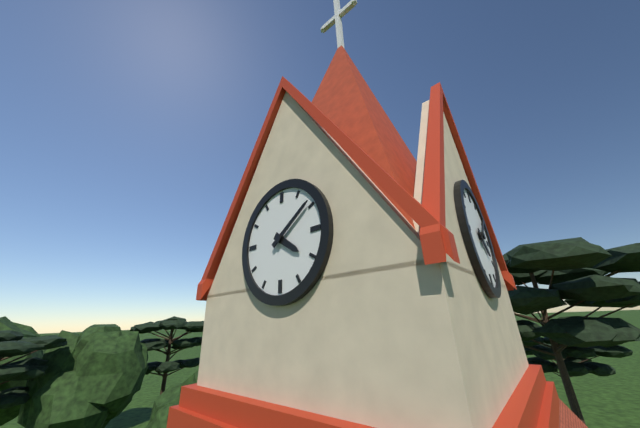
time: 4:09
